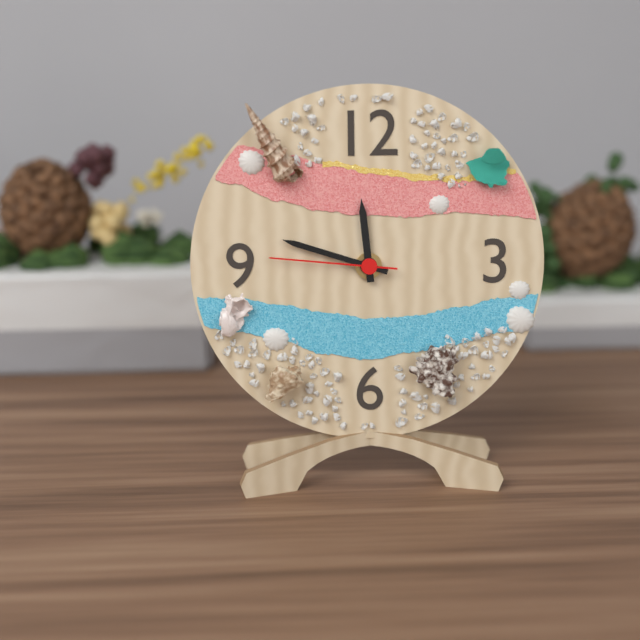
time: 11:48:46
